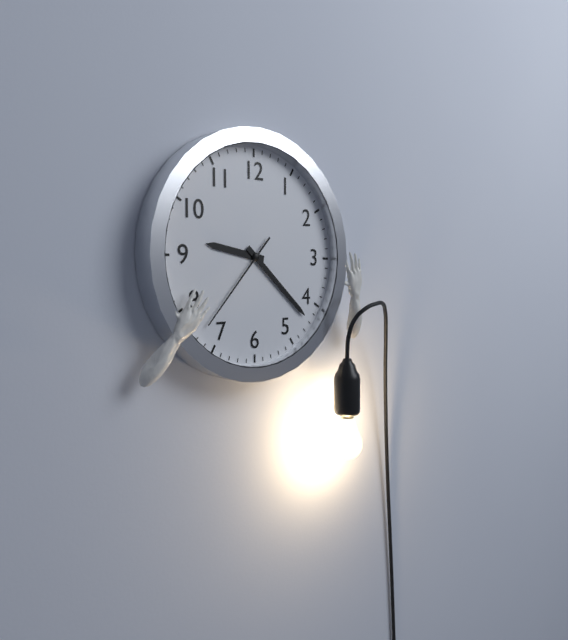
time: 9:22:37
